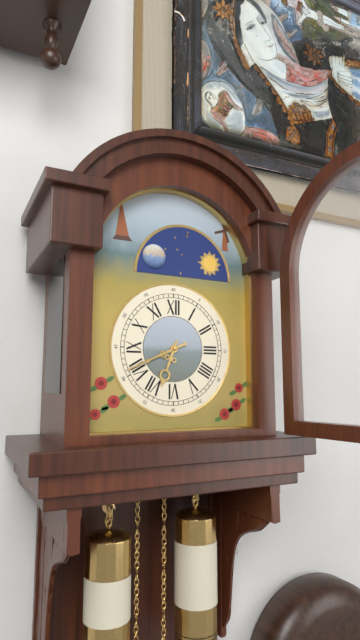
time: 6:41
